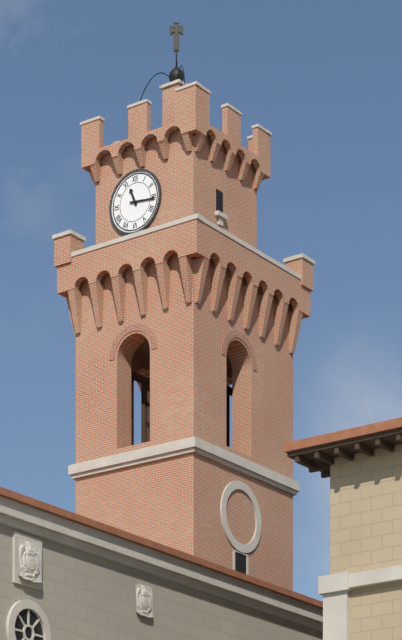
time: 11:16
